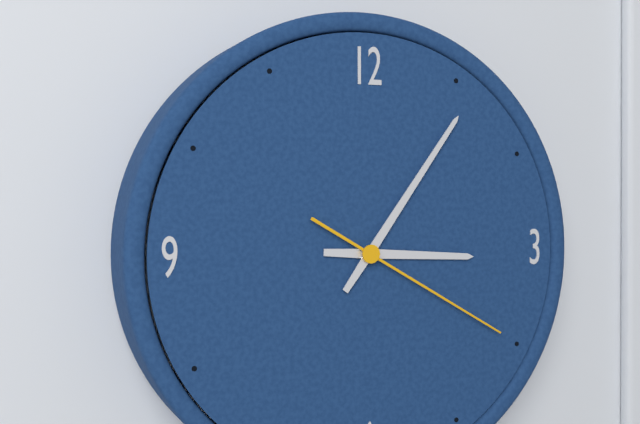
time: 3:06:20
